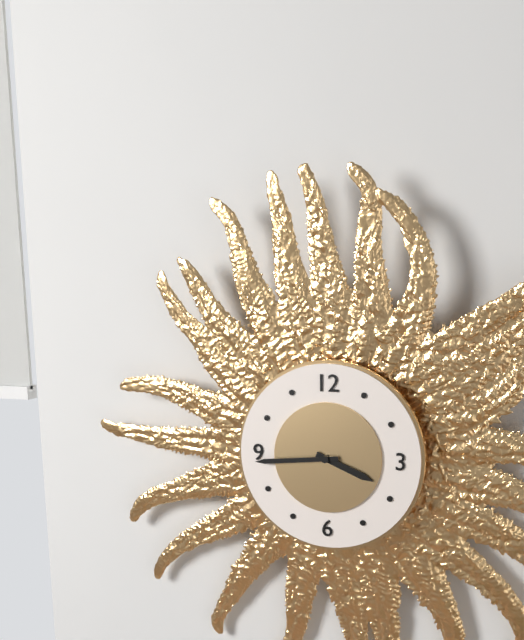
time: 3:44
